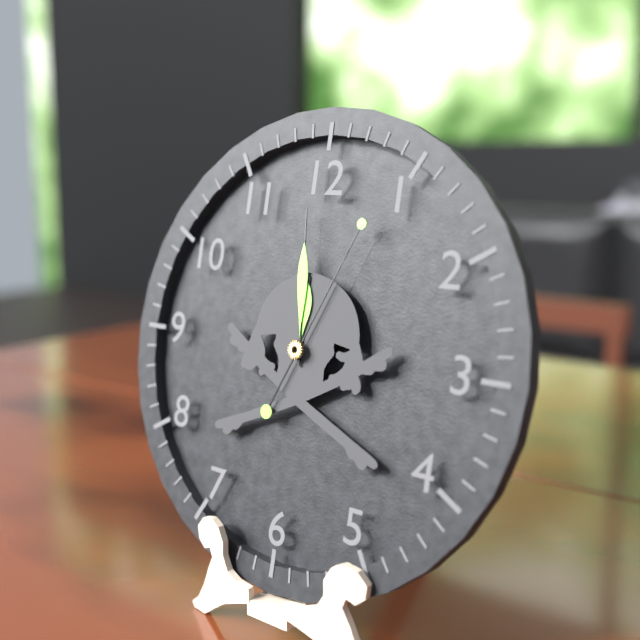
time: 11:59:04
